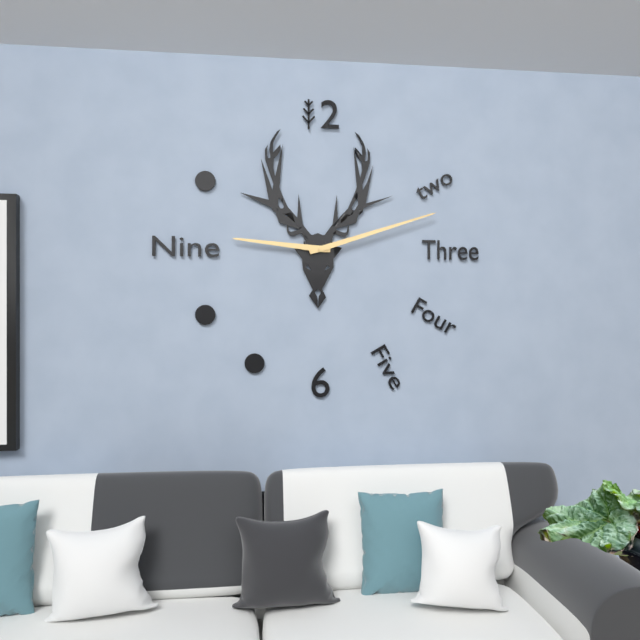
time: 9:12
